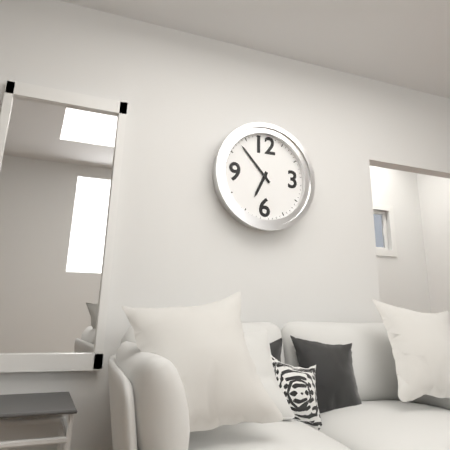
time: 6:53
